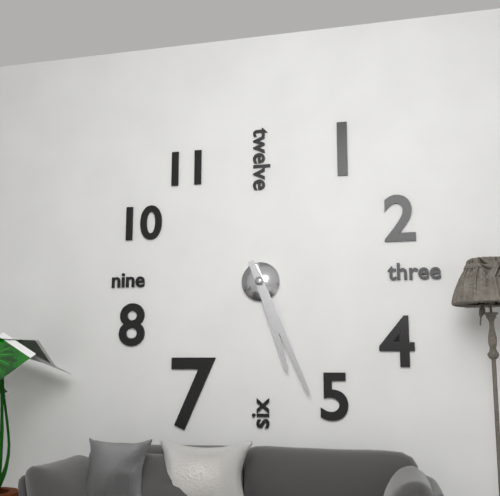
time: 5:26
